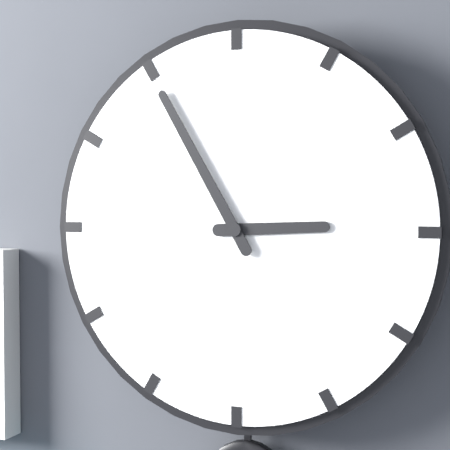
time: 2:55
